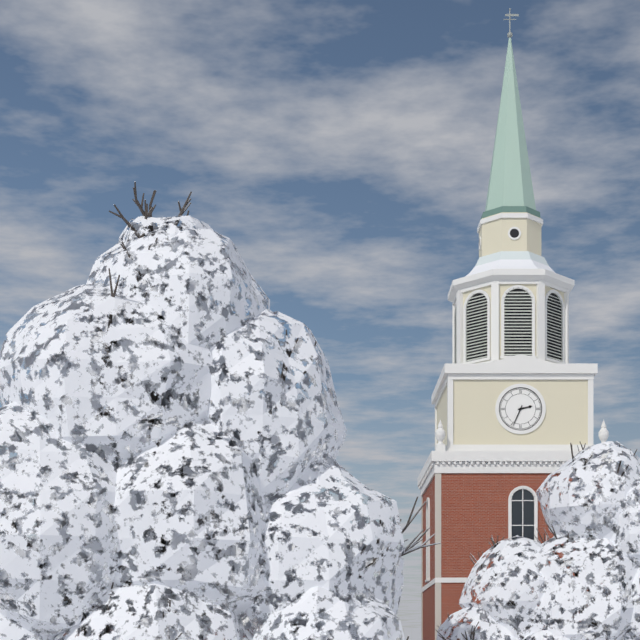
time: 2:34
